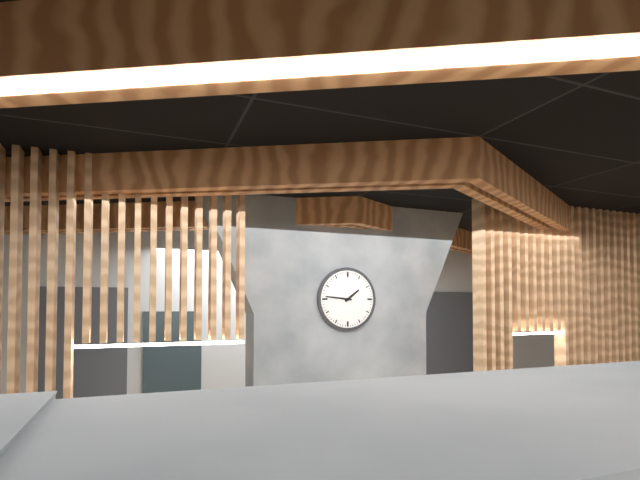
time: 1:46
